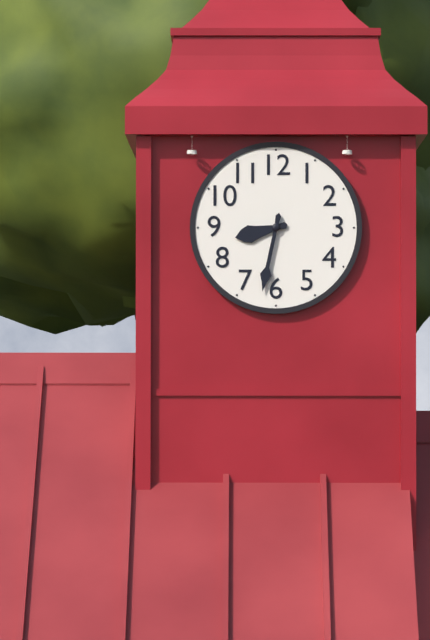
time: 8:32
